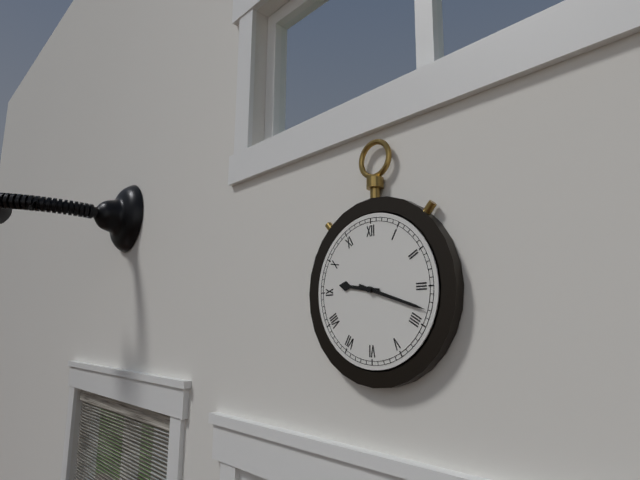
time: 9:18
